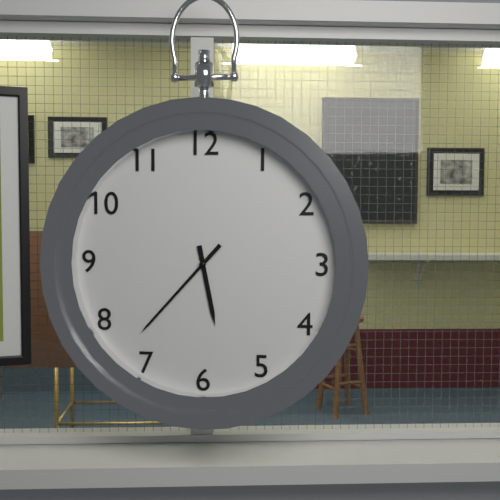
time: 5:37
